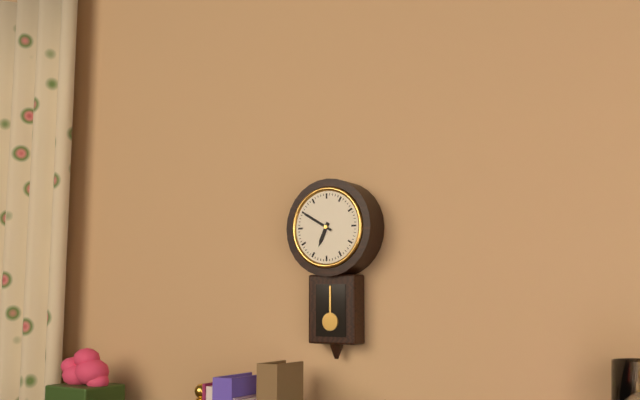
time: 6:50
